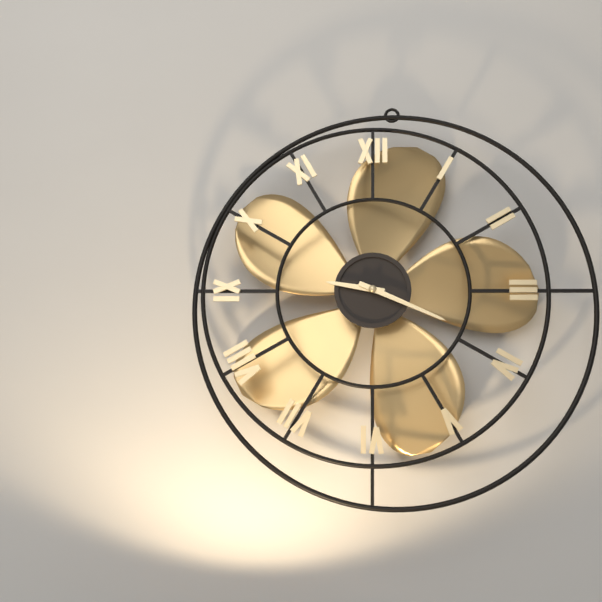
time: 9:19
